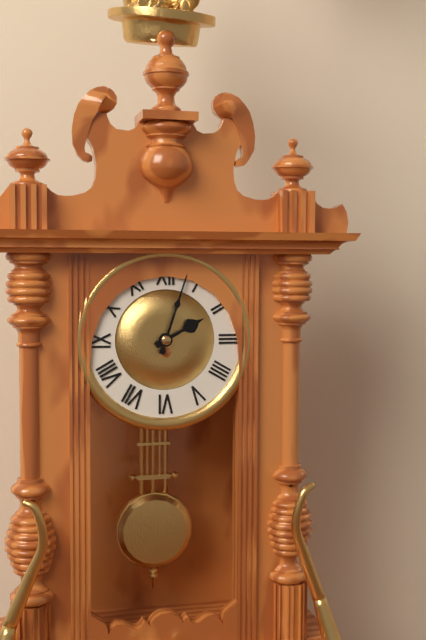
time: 2:03
